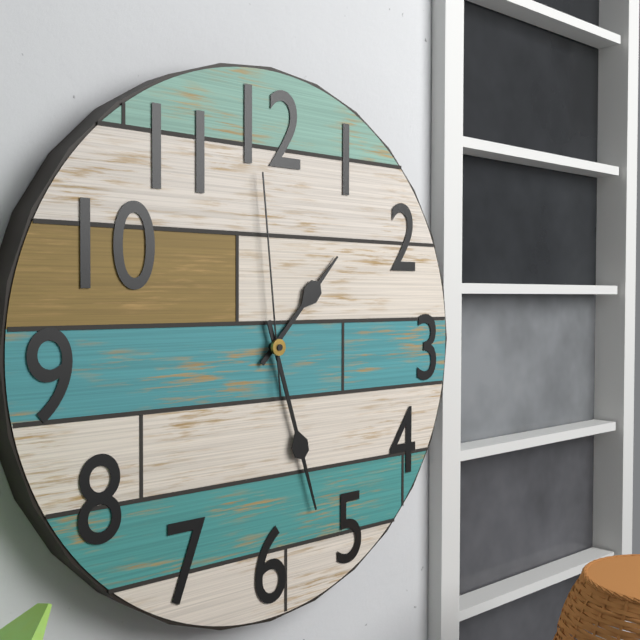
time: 1:27:59
